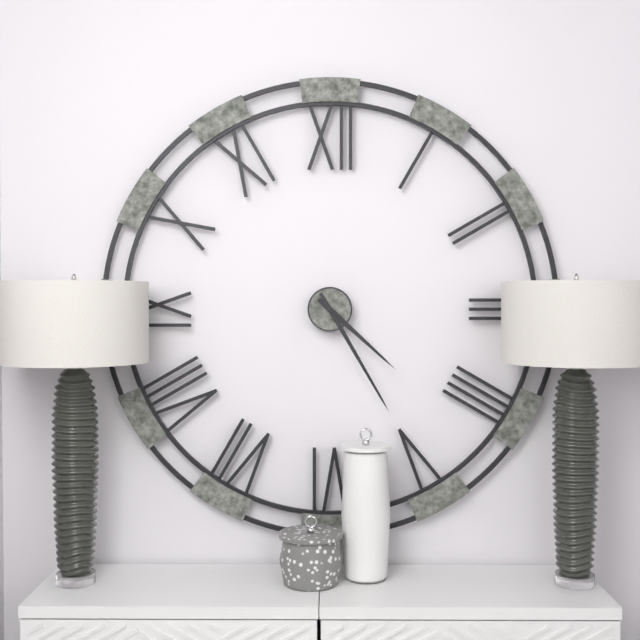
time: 4:25
